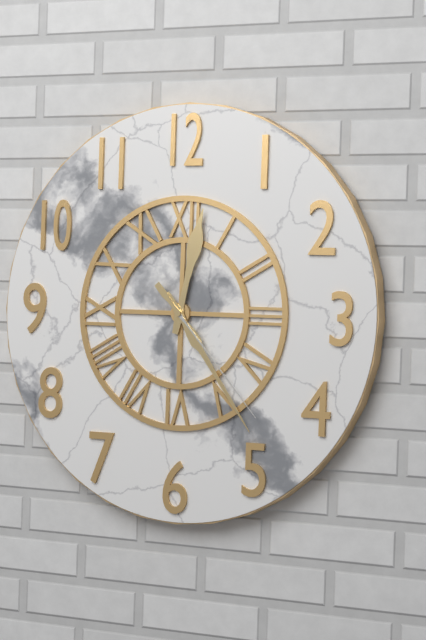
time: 12:24:23
